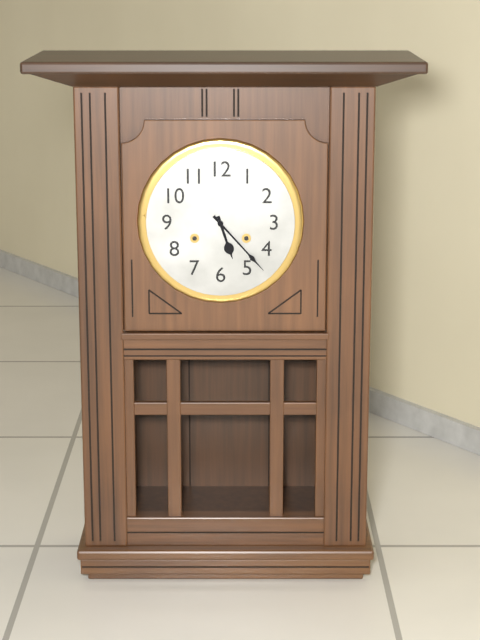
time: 5:23
